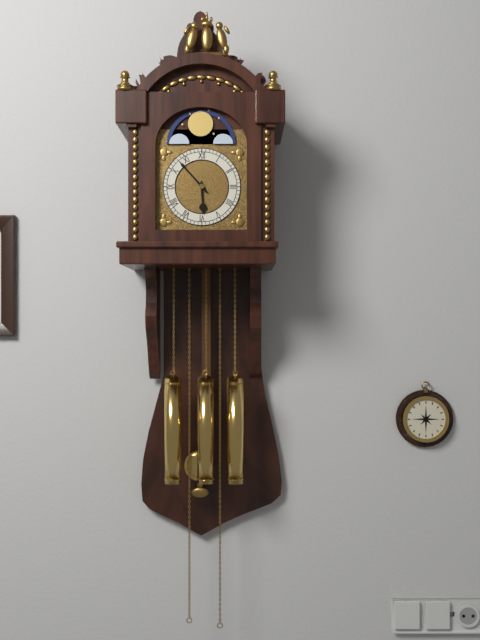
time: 5:53
